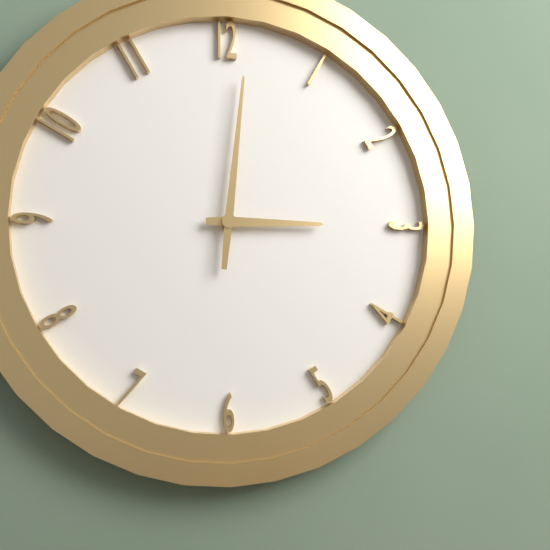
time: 3:01
